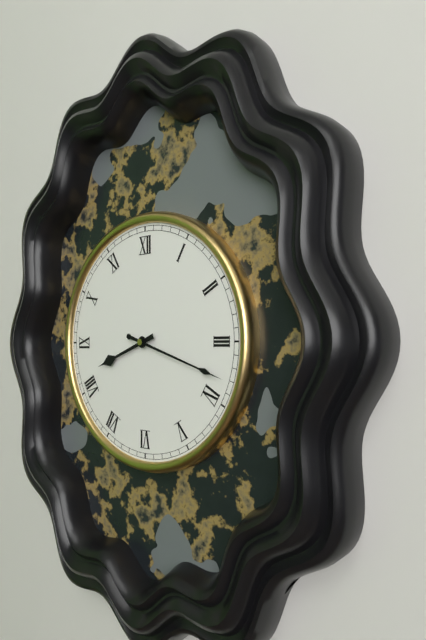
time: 8:18
